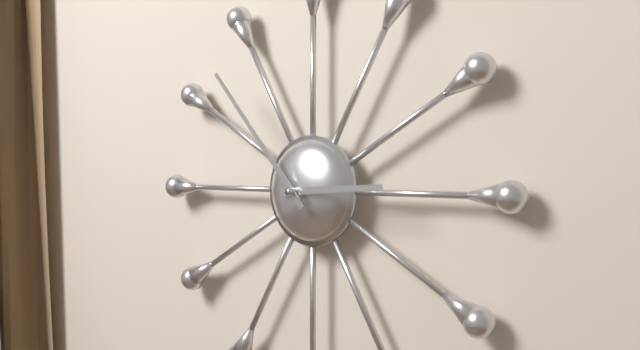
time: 2:53
